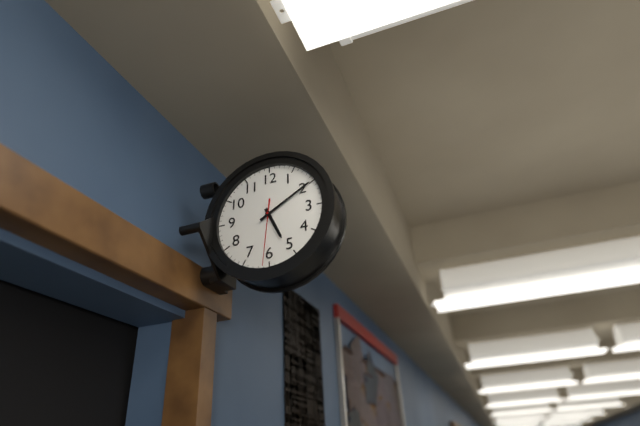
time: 5:10:31
